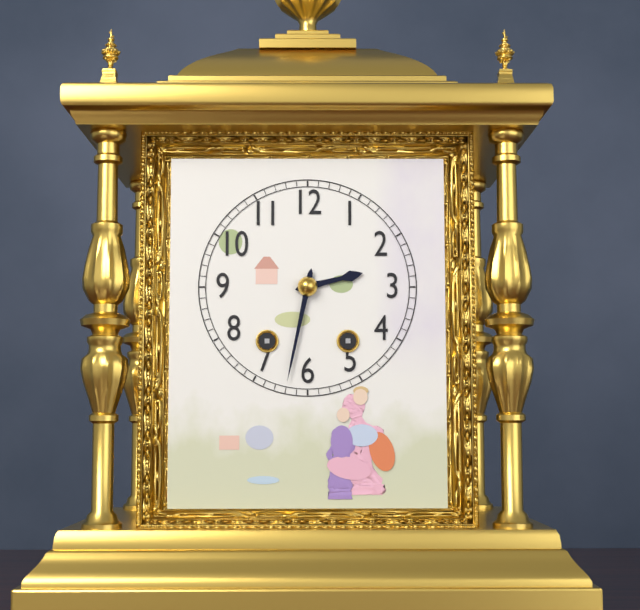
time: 2:32
